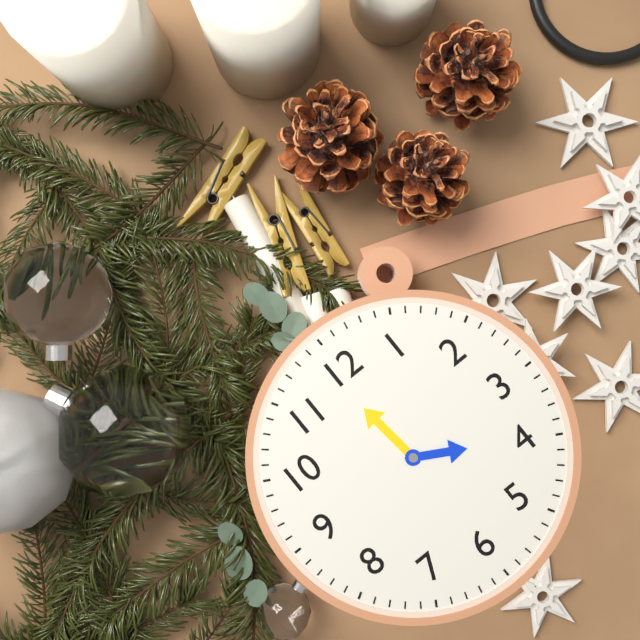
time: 3:59
